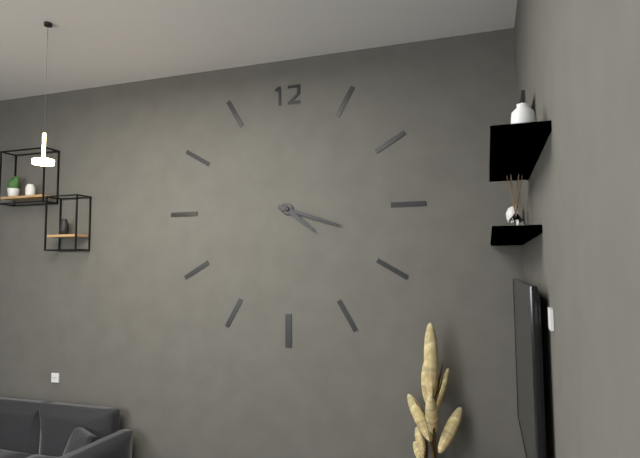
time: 4:18
